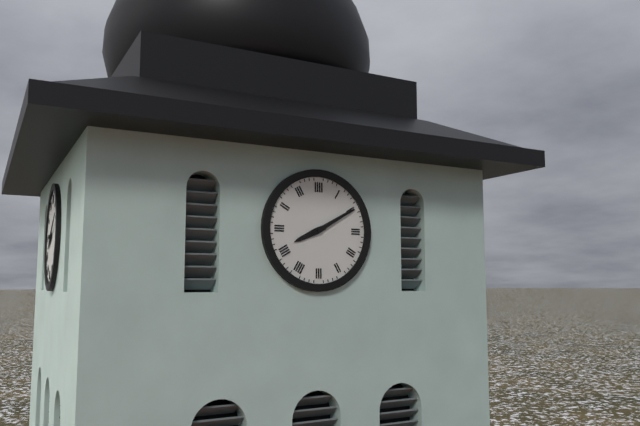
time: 8:10
